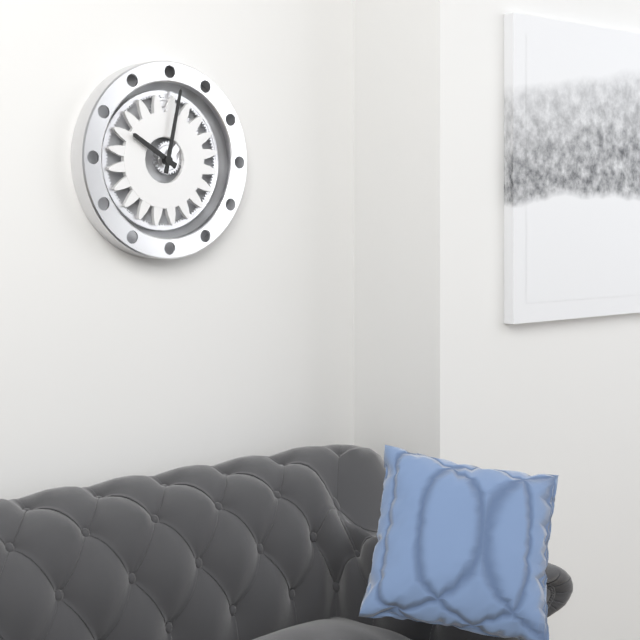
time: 10:02
